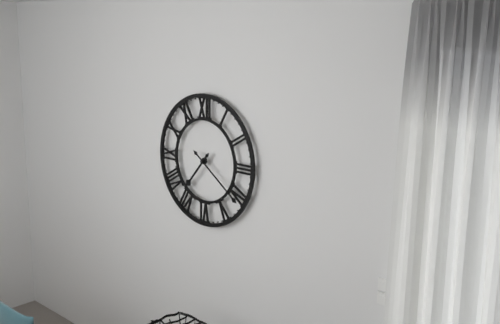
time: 7:21
